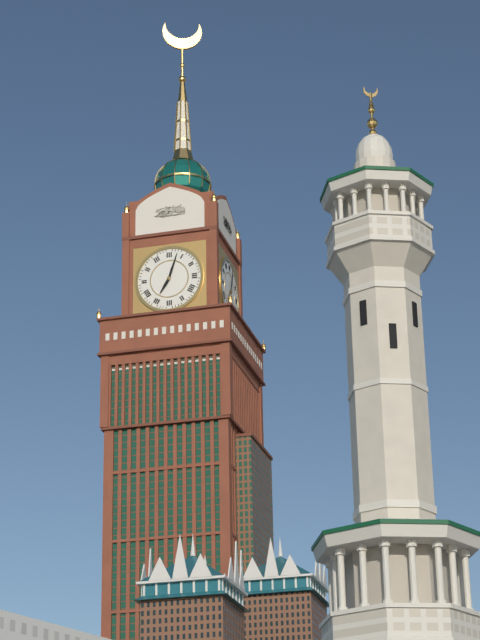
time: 7:03
